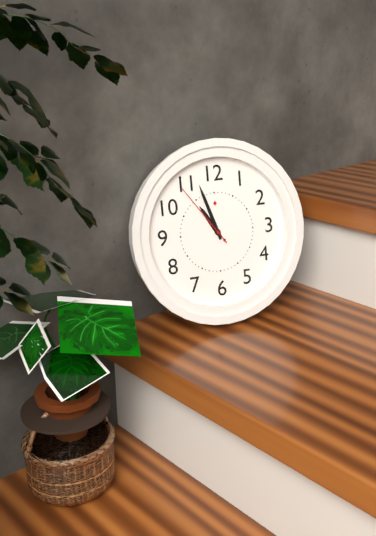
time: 10:57:54
